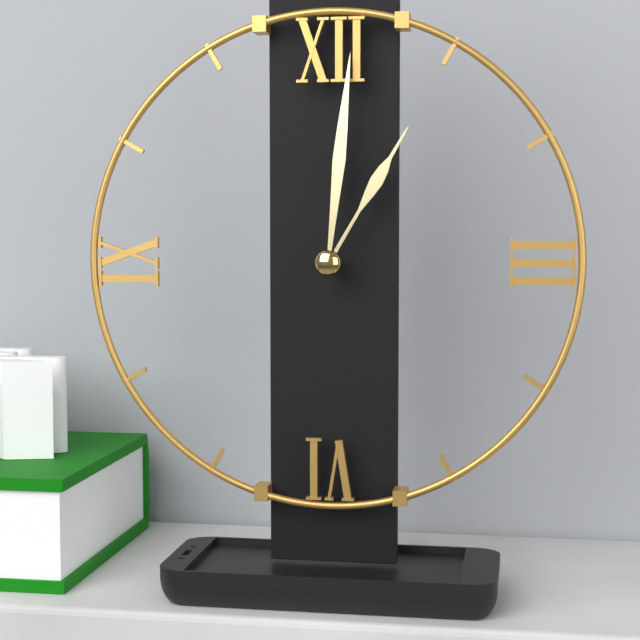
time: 1:01
